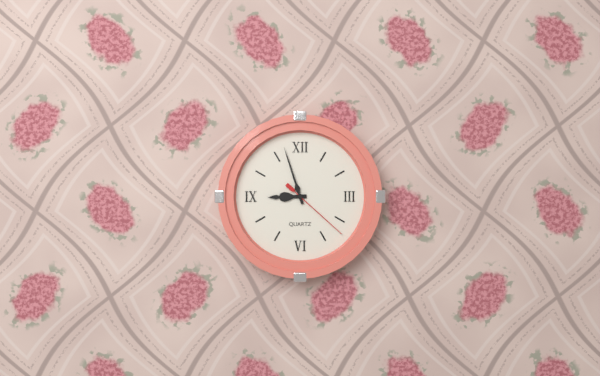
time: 8:57:22
